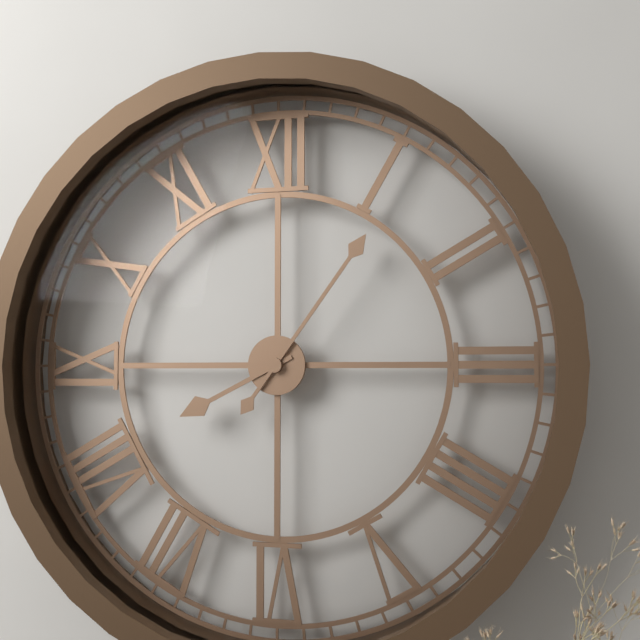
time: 8:06
